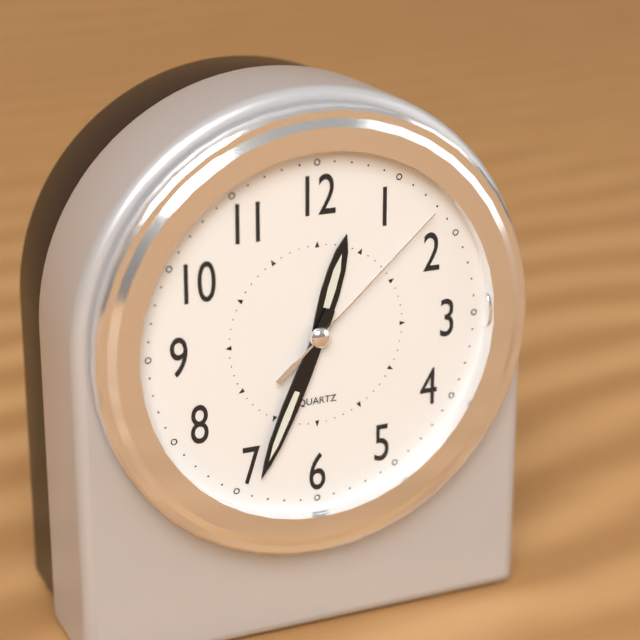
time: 12:34:08
